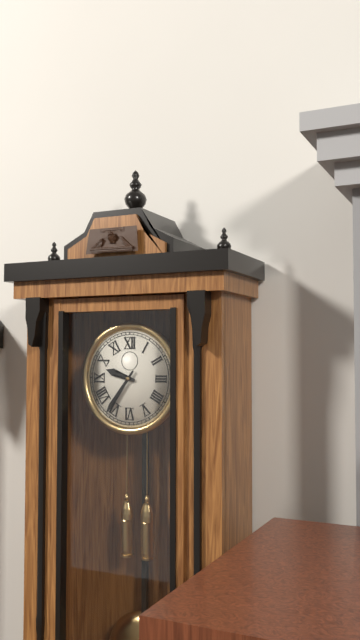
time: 9:36
